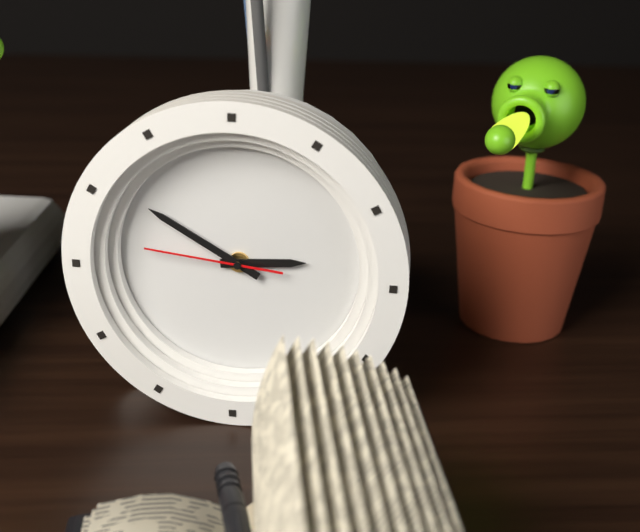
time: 2:50:46
